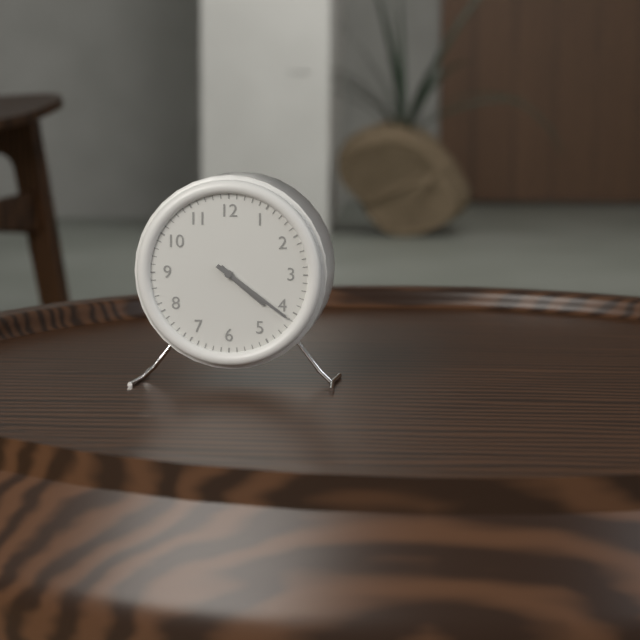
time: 4:21
